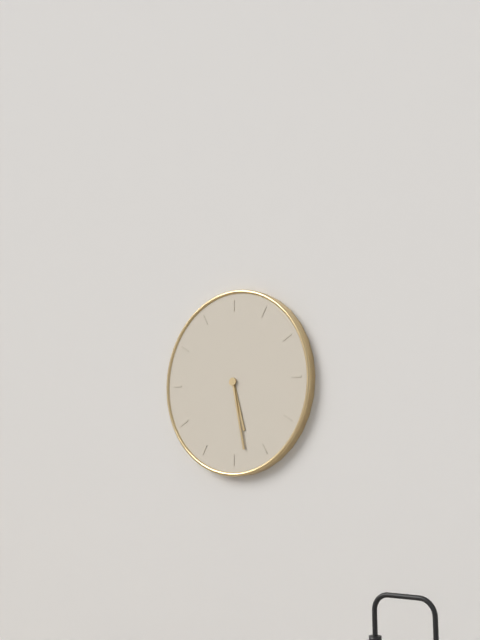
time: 5:28
